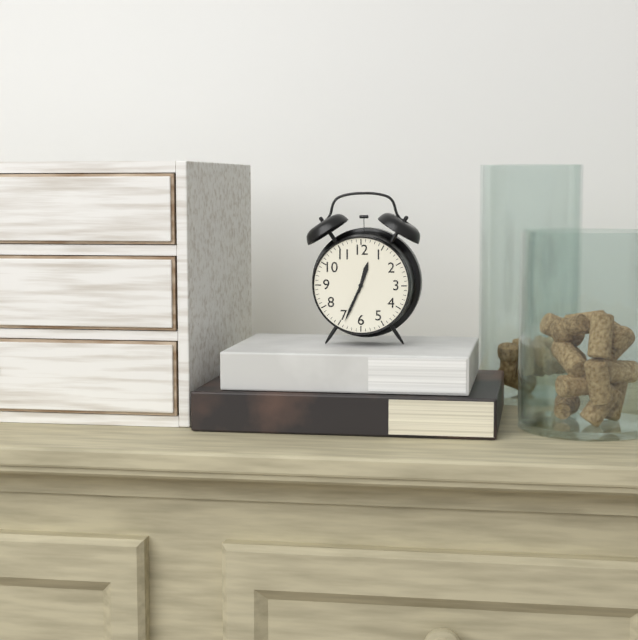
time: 12:34
